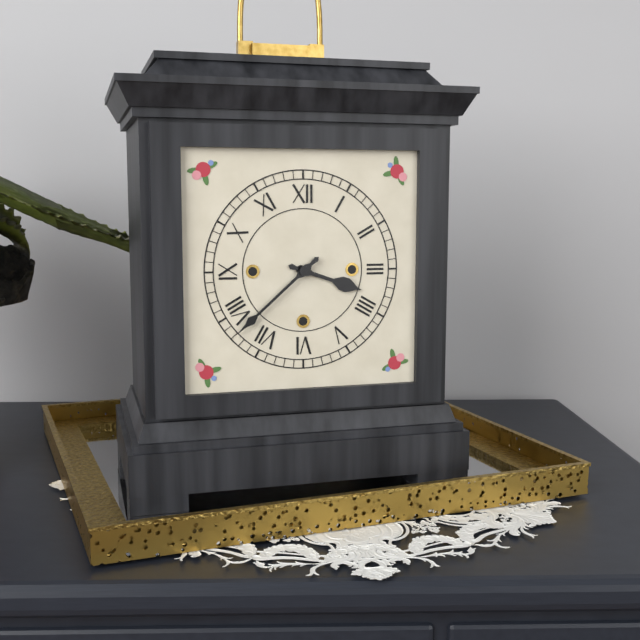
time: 3:38
